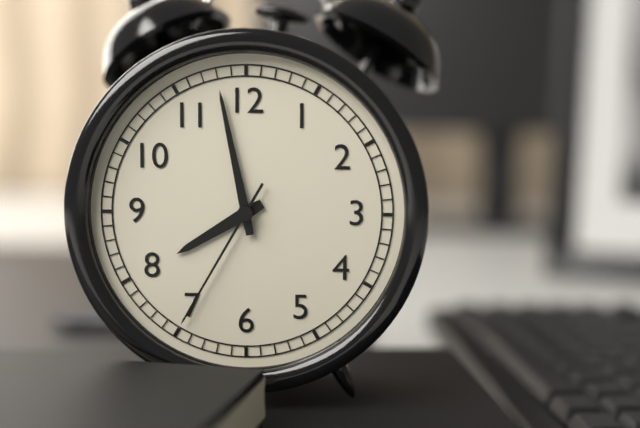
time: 7:58:35
